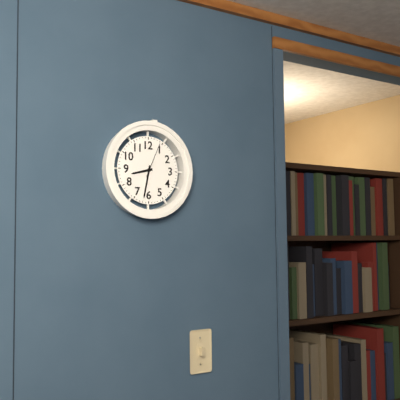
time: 8:32
